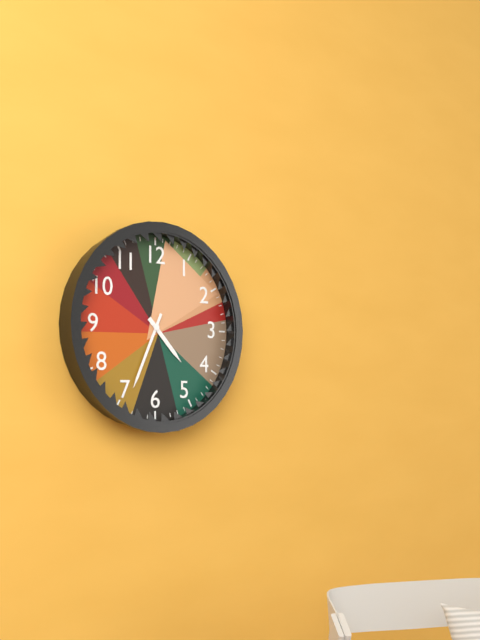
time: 4:34
